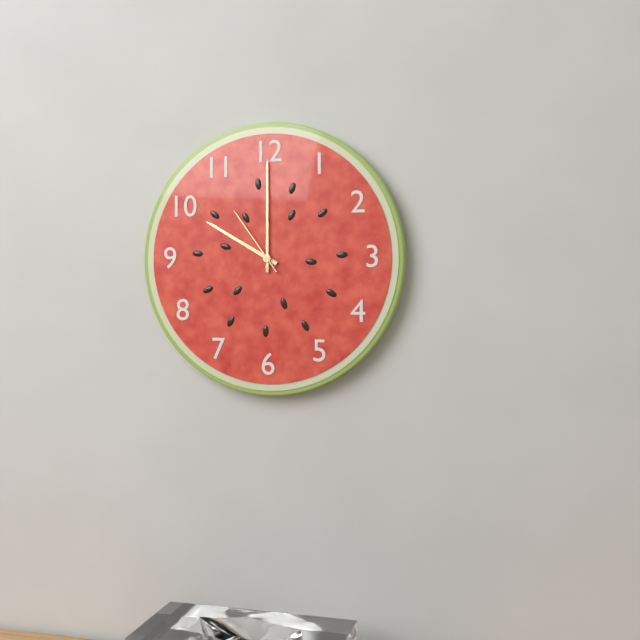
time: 10:00:54
